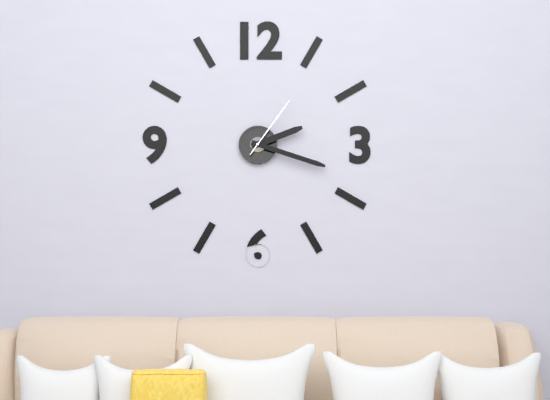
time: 2:18:06
